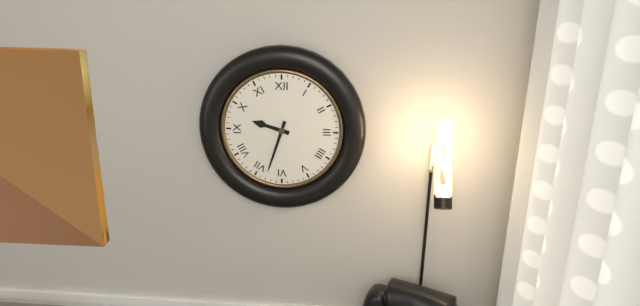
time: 9:33
